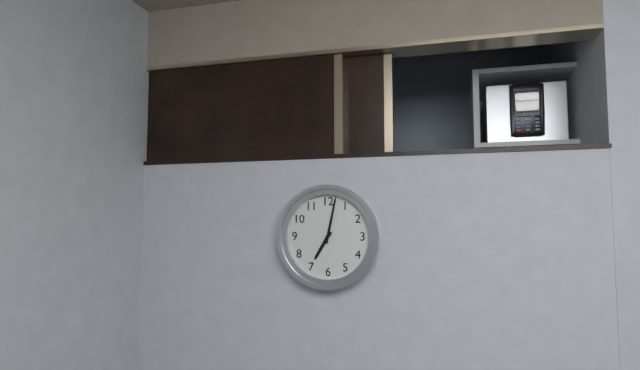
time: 7:02
